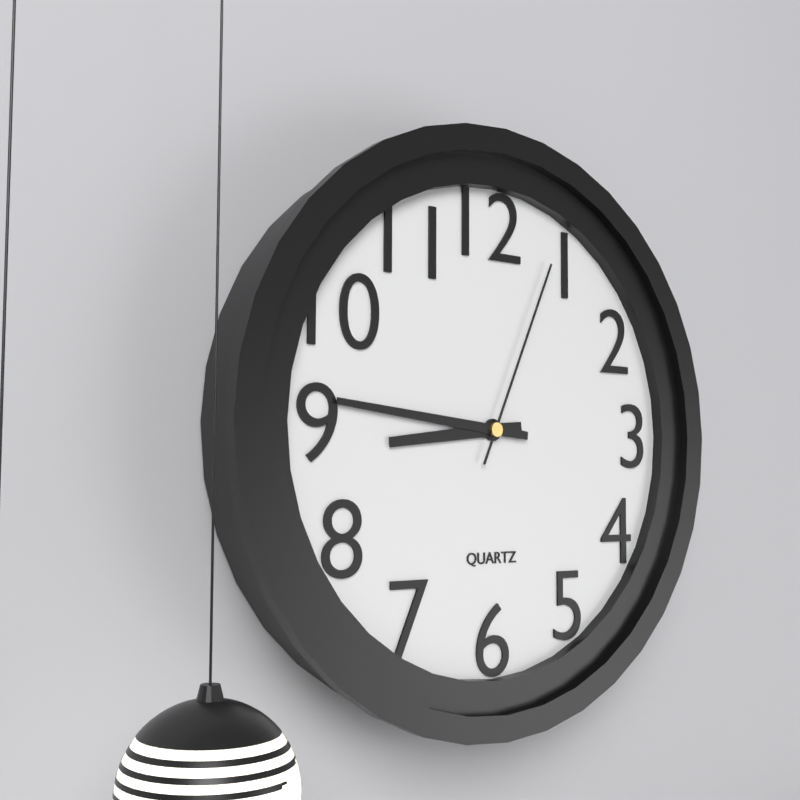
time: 8:46:04
